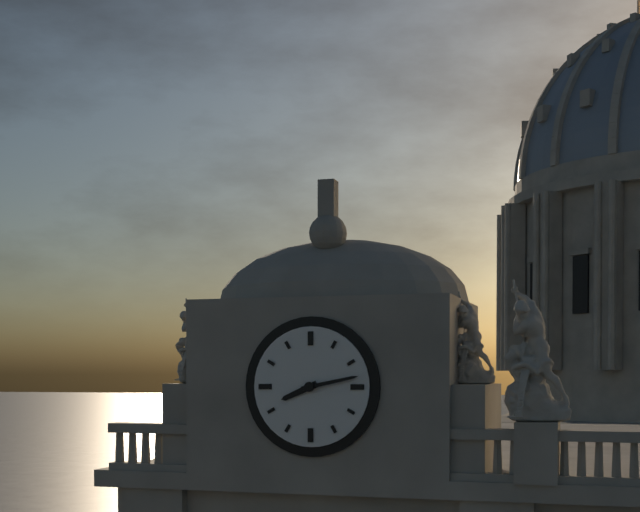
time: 8:13
